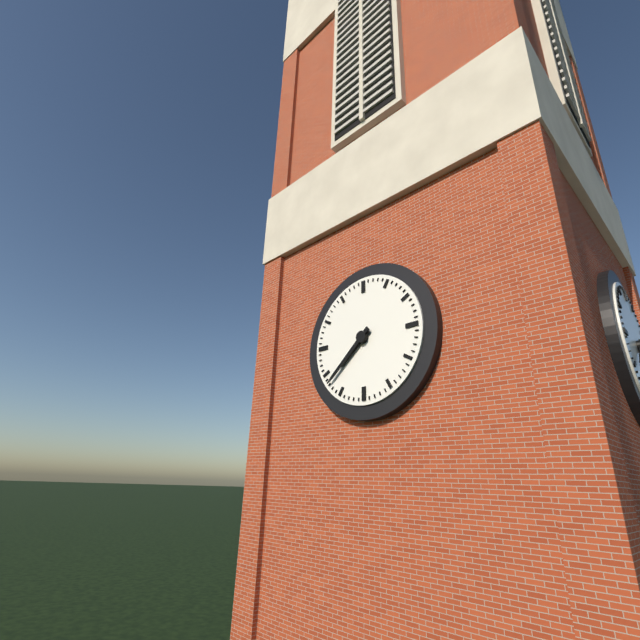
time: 7:38
